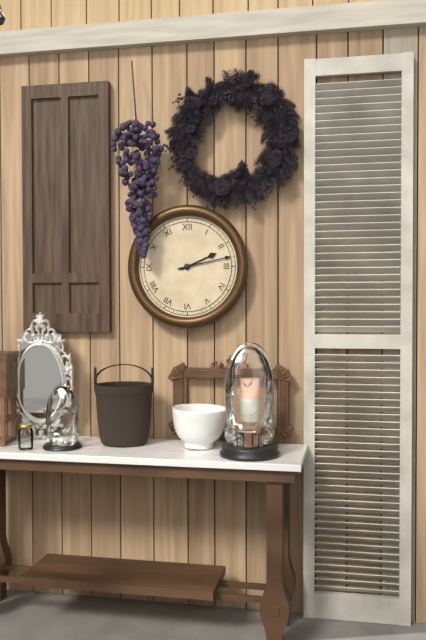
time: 2:13
